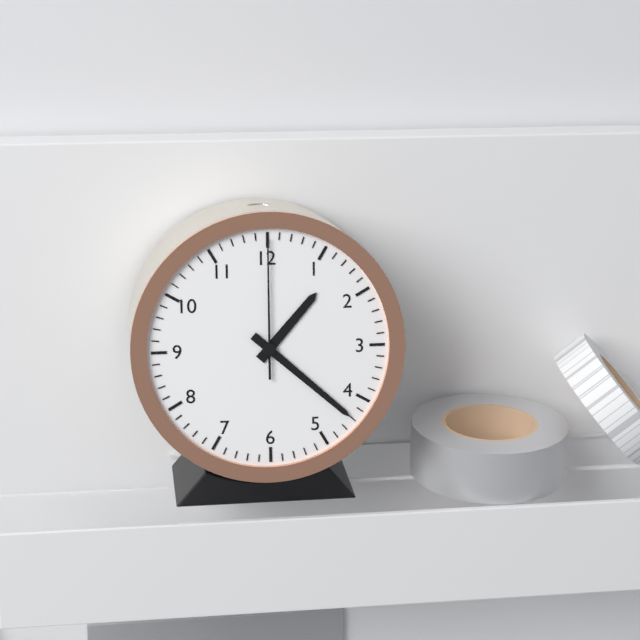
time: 1:22:00
